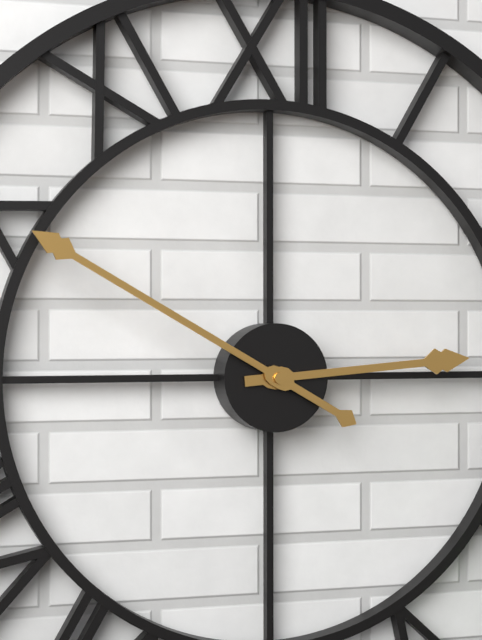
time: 2:50
